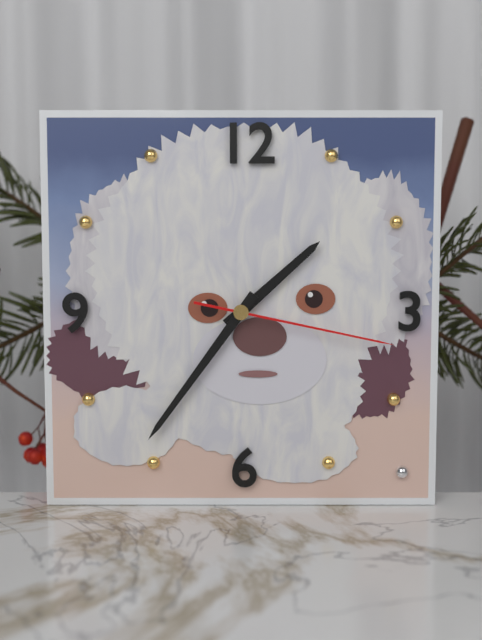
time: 1:36:17
